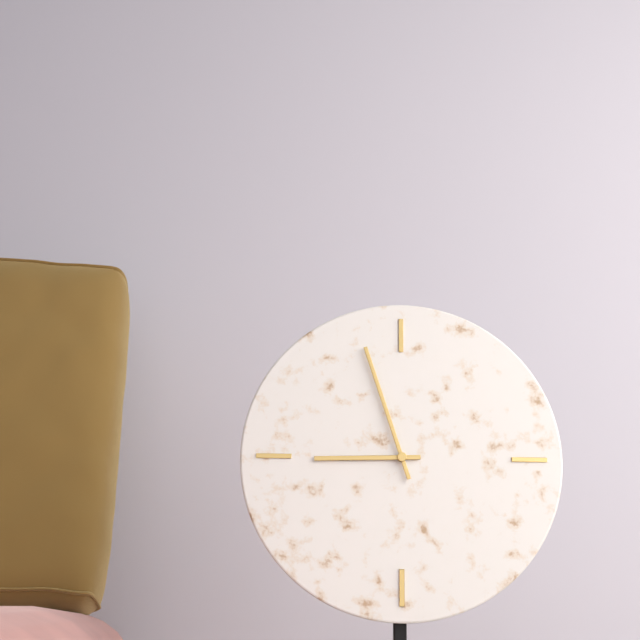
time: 8:57
